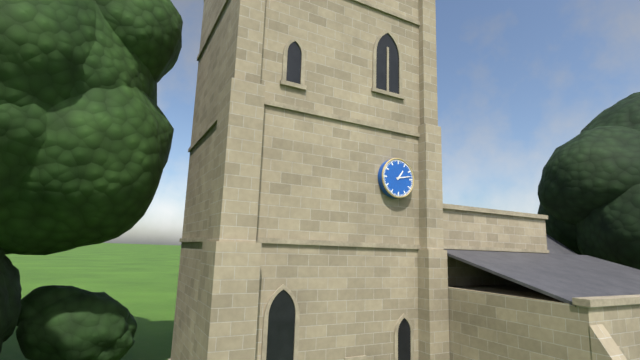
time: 1:13
